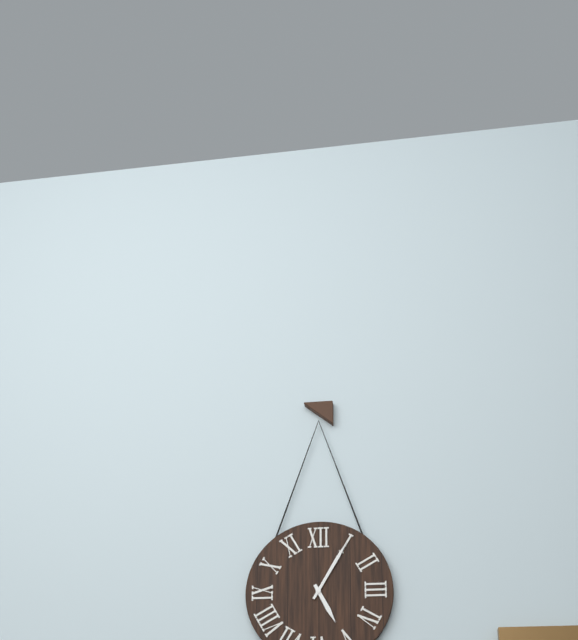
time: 5:05
